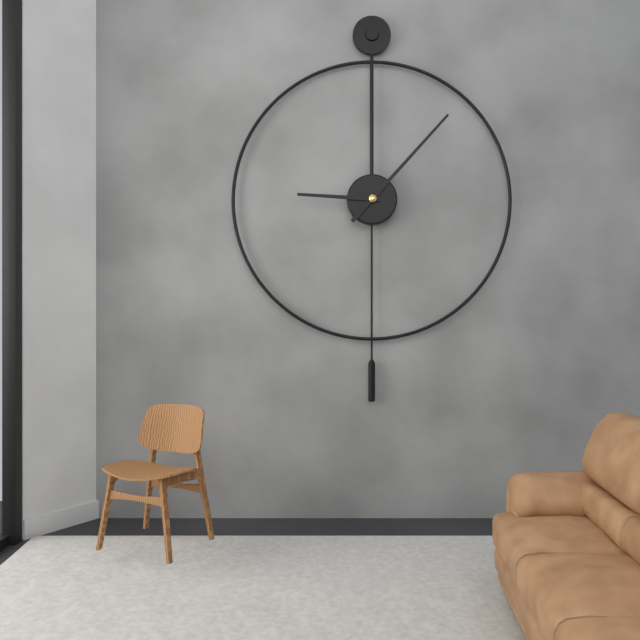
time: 9:07
